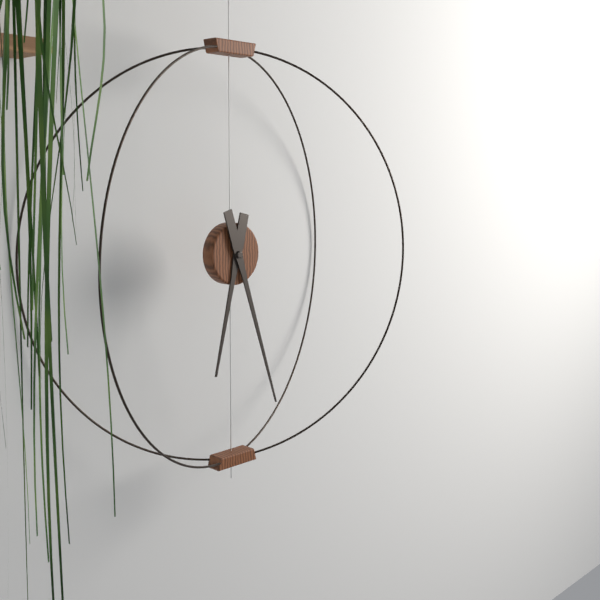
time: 6:27
